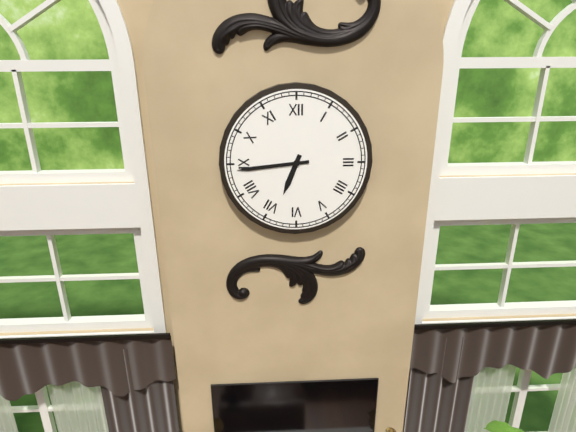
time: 6:44
